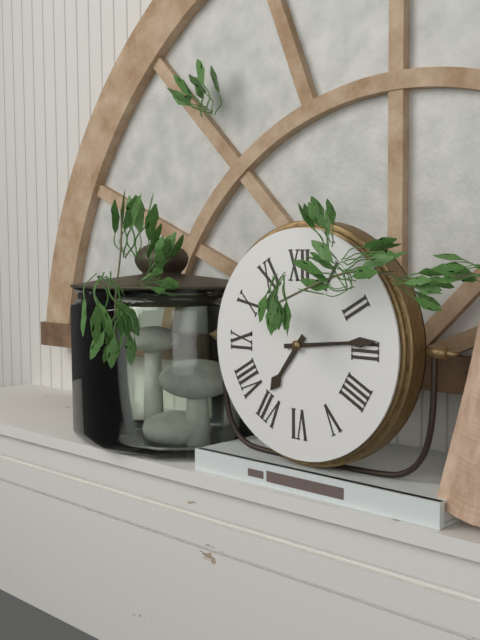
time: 7:14
